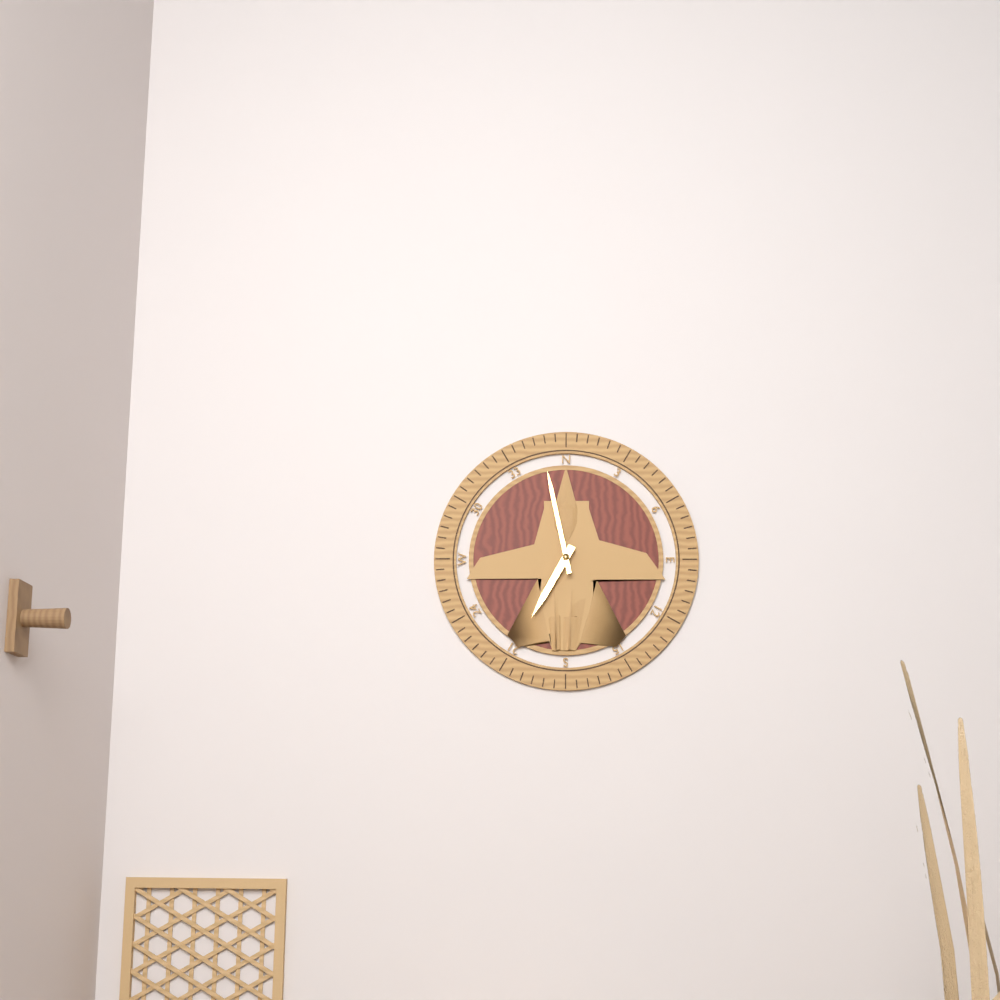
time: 6:58
